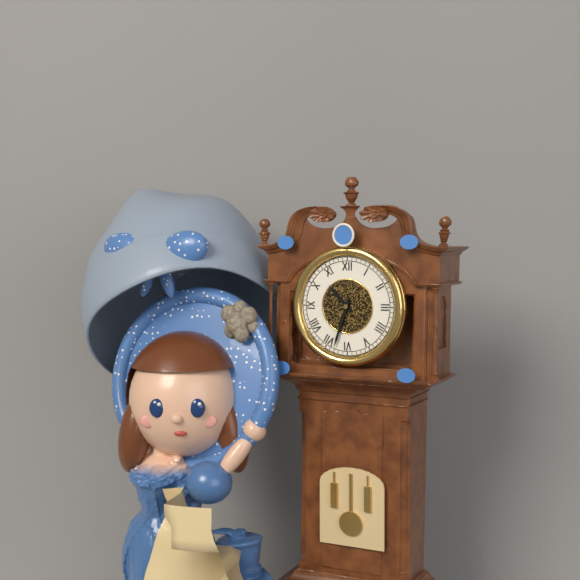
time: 10:33
